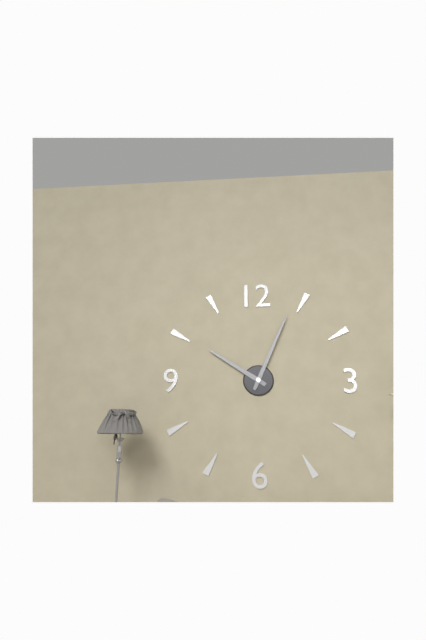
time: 10:04
